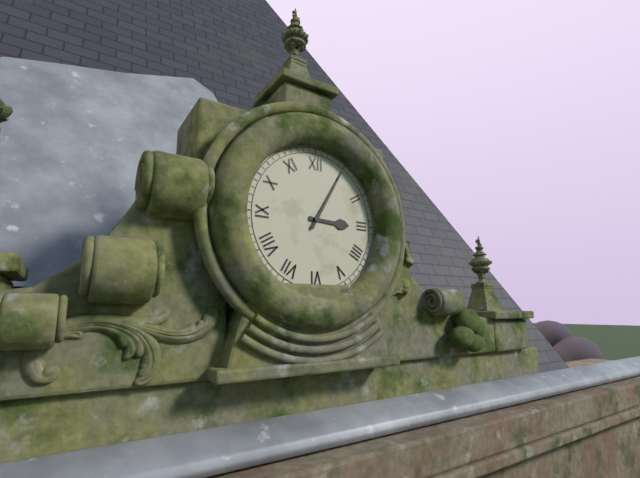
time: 3:05
